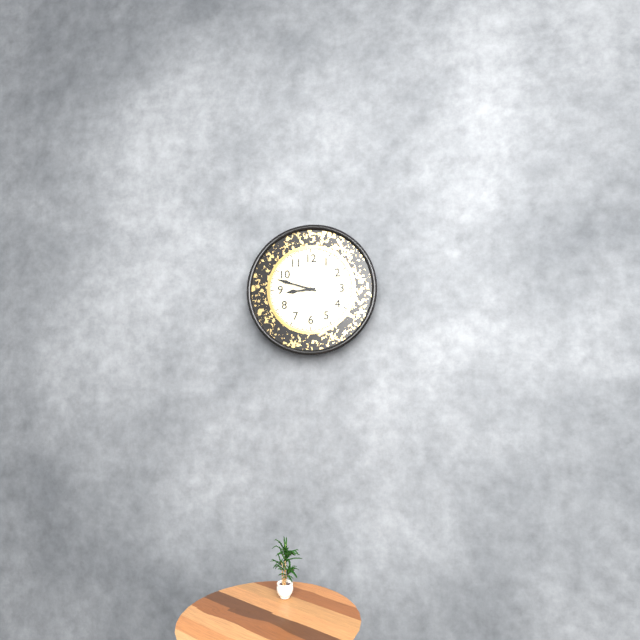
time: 8:48
